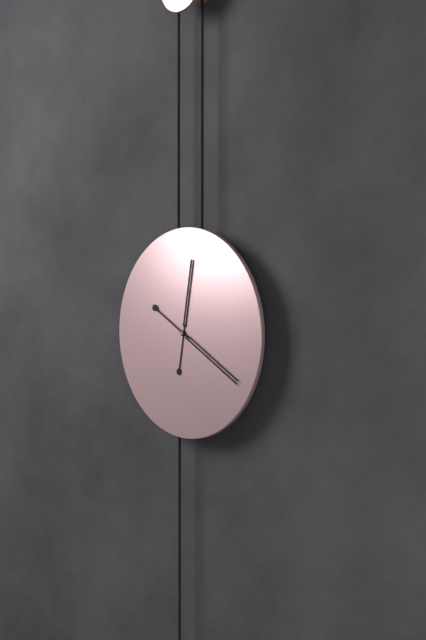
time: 12:20
